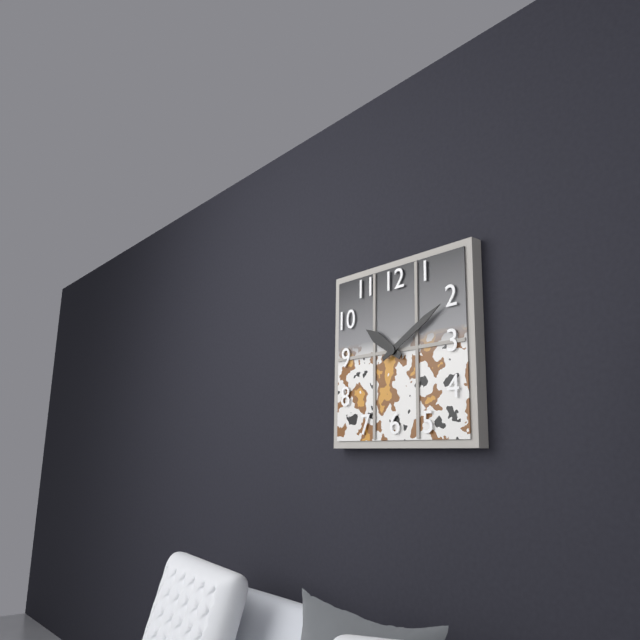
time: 10:10
